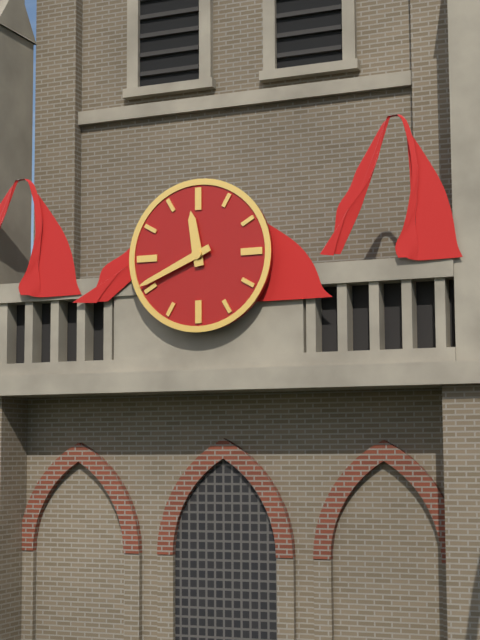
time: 11:41
